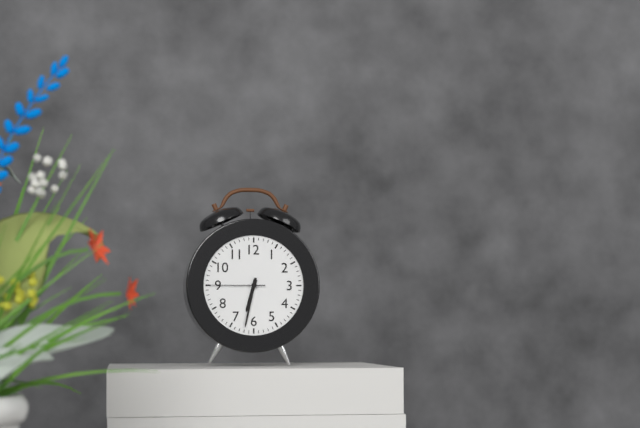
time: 6:32:45
